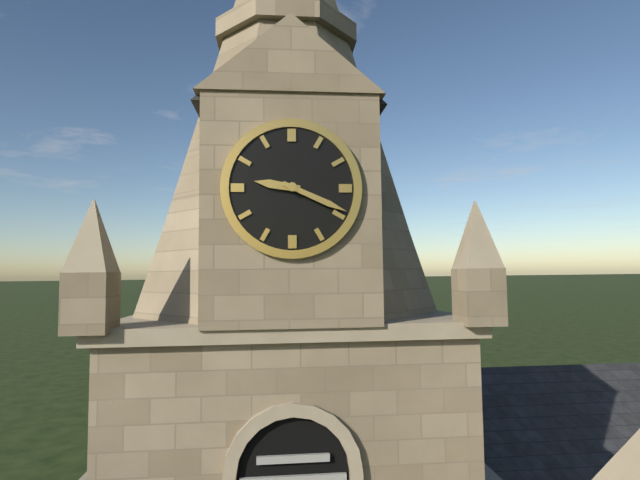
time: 9:19
